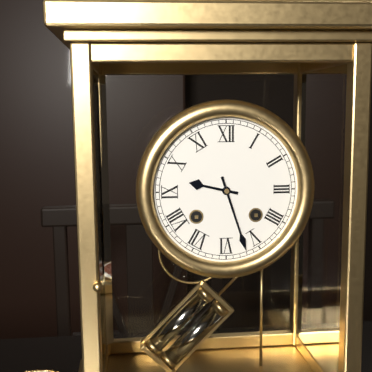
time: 9:27
